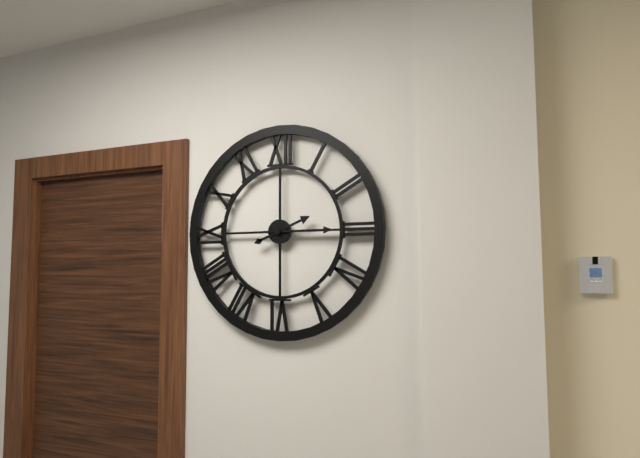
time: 2:15
